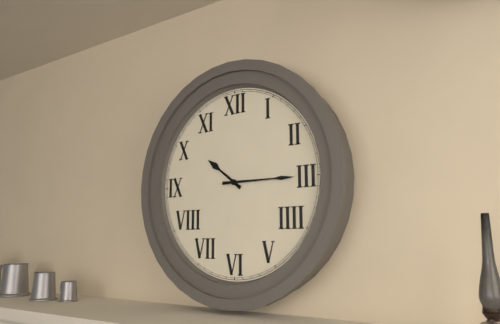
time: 10:15
